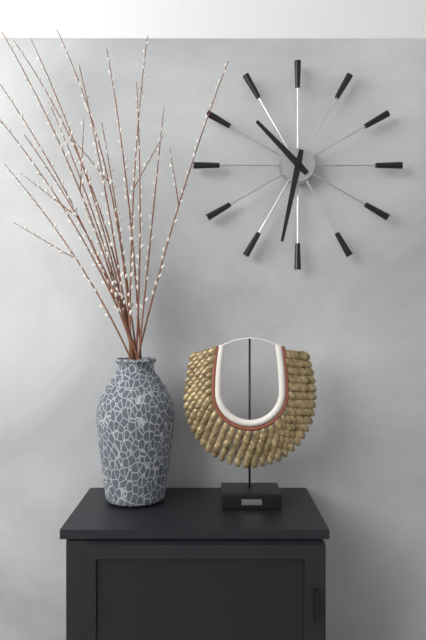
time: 10:32
